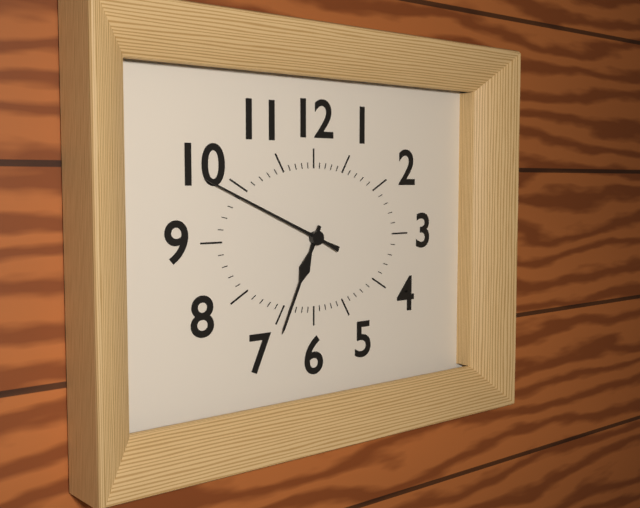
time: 6:49
